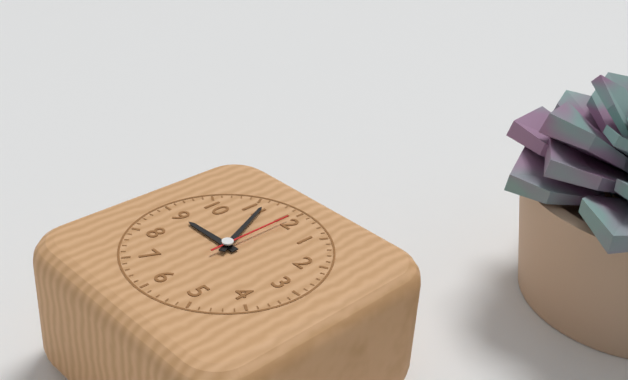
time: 8:56:00
